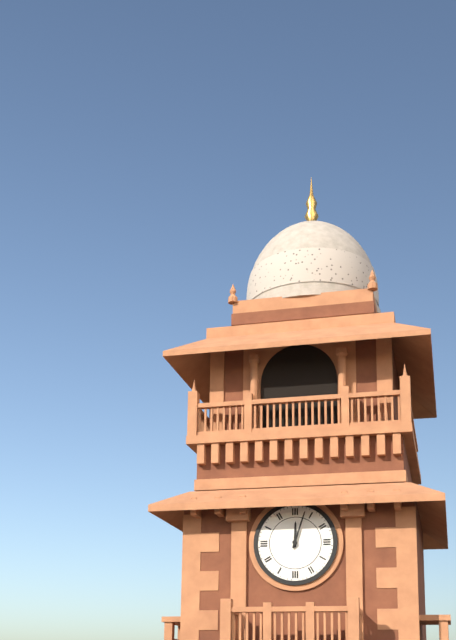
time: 12:03
